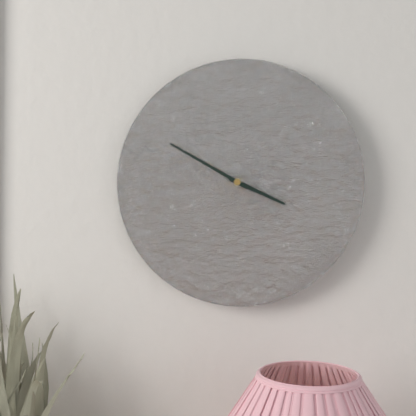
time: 3:50
